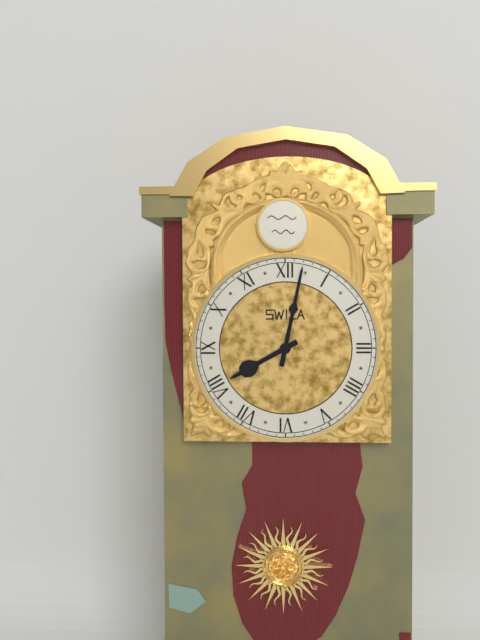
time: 8:02
